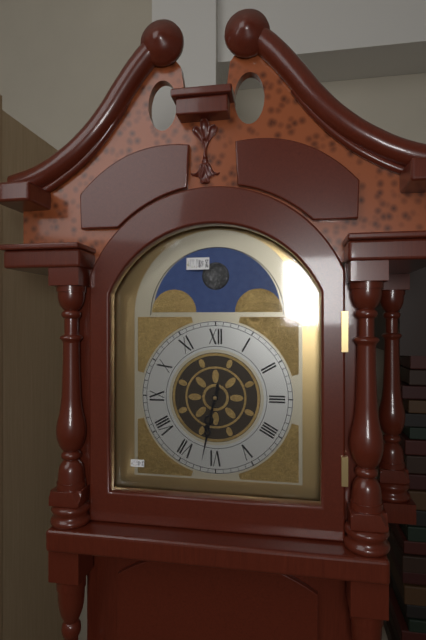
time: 6:32
